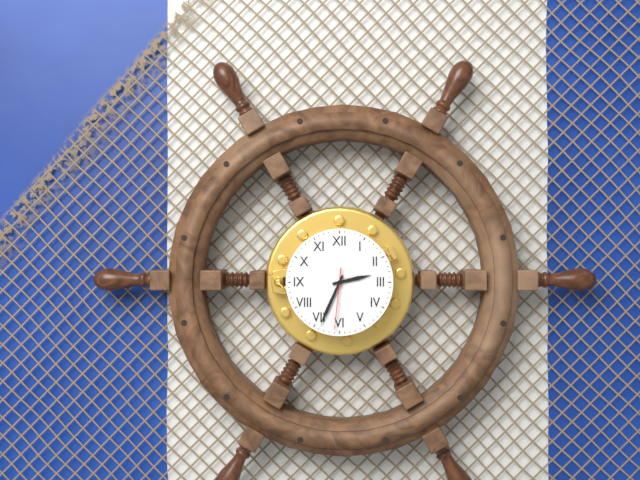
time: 2:34:31
